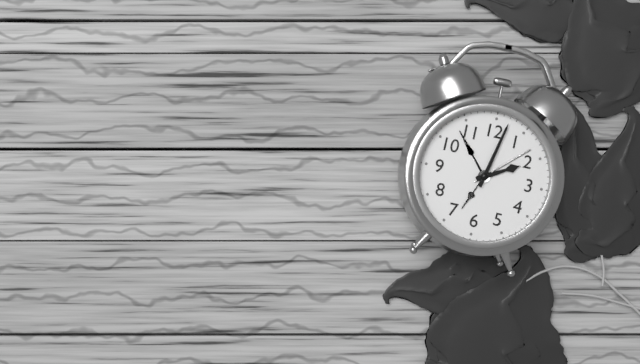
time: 2:02
